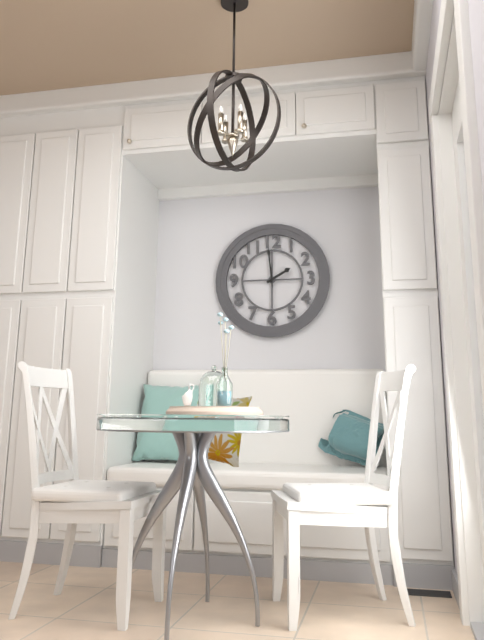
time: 1:59
